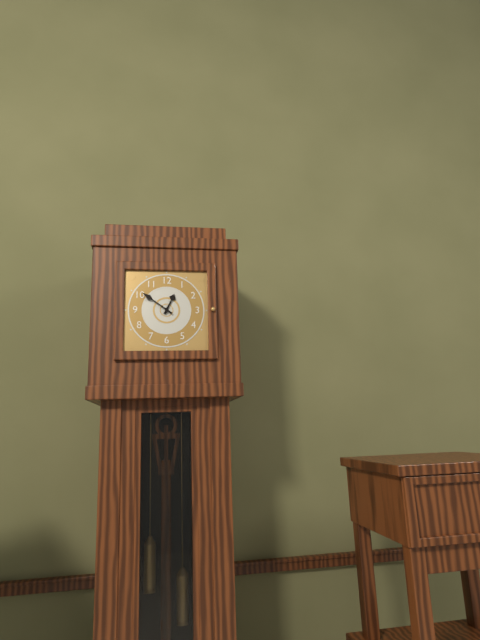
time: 12:51
